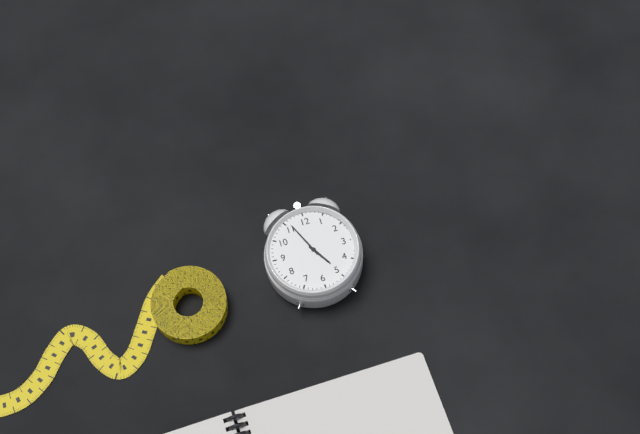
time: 4:56
